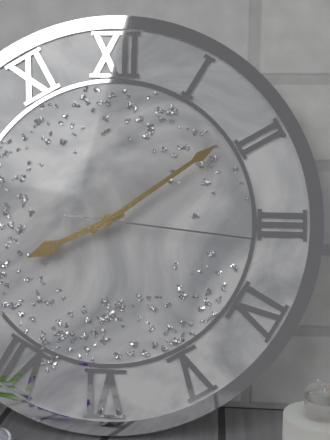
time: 8:09:16
